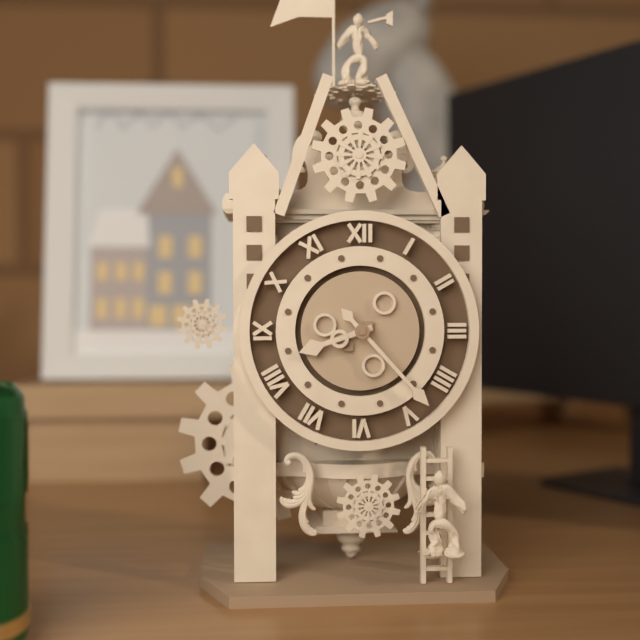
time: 8:23
